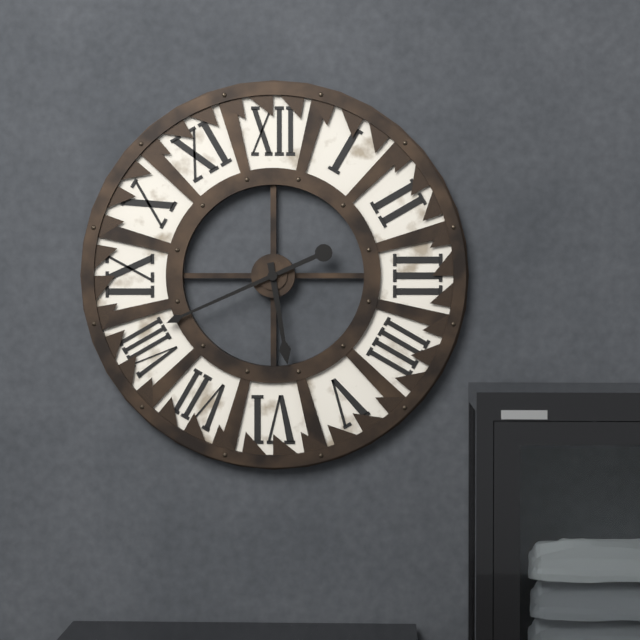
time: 5:41
